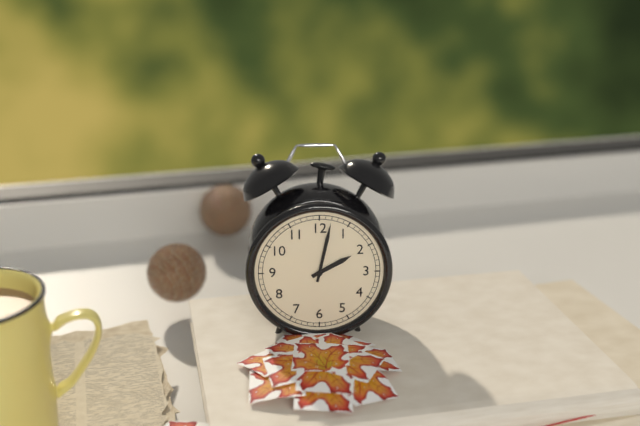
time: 2:02
